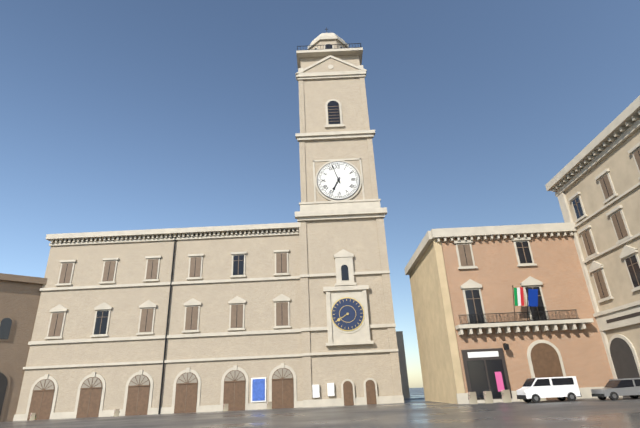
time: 6:57
